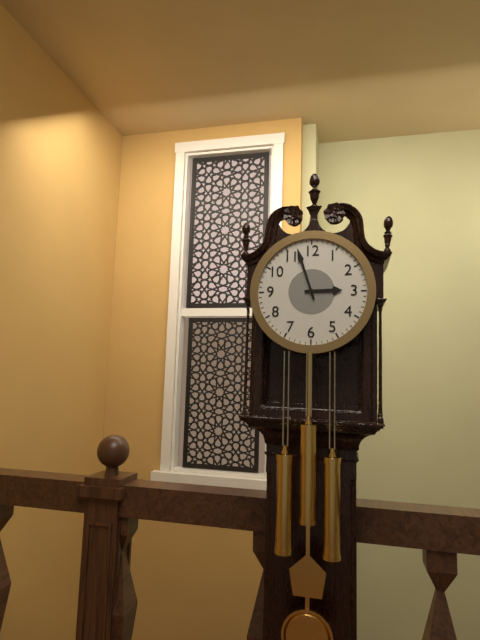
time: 2:57
